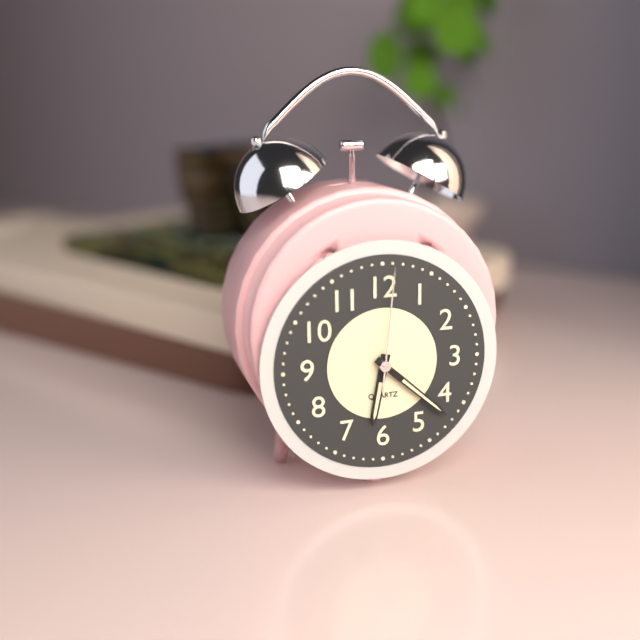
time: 6:22:01
